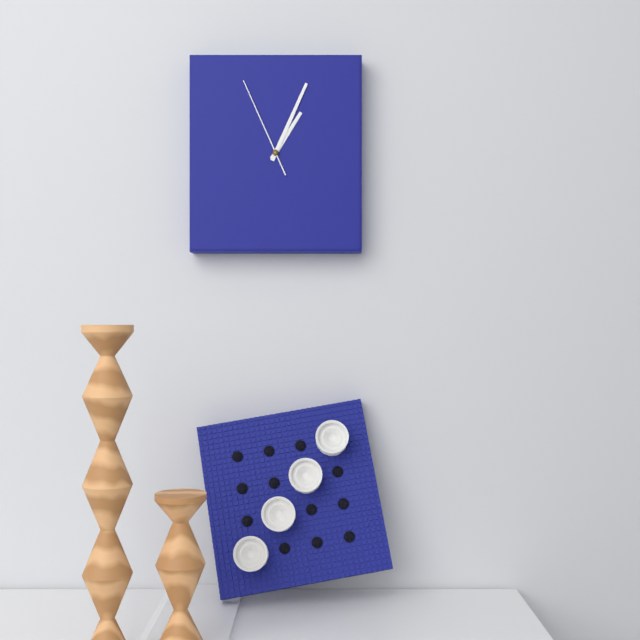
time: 1:04:56
